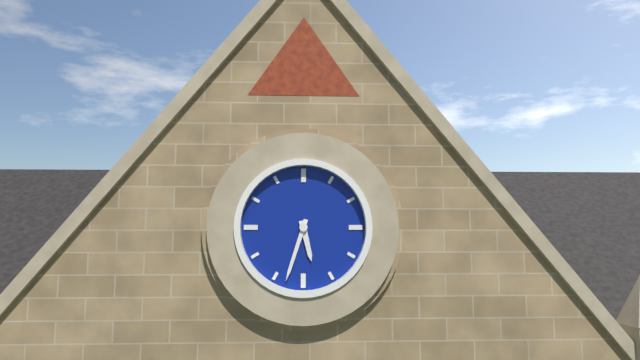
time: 5:33
